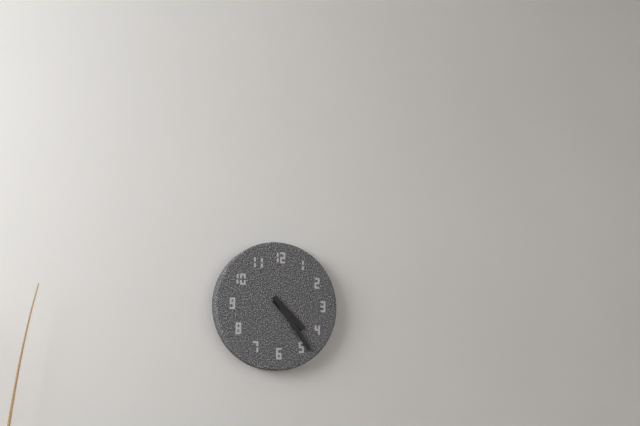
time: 4:24
